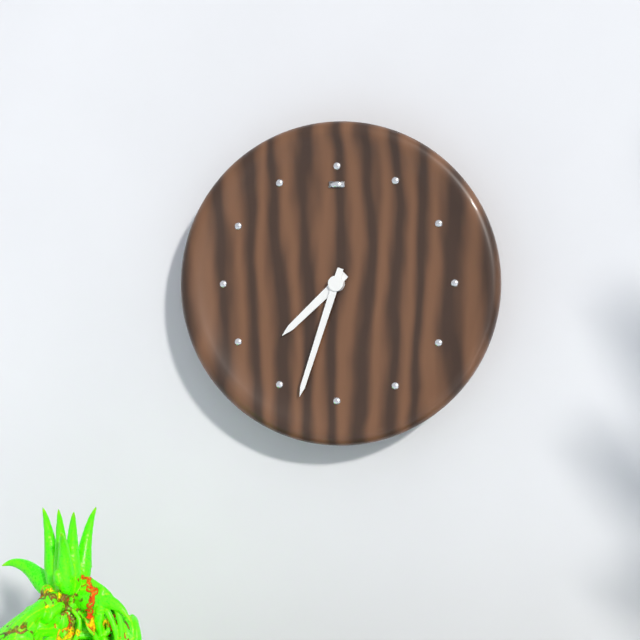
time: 7:33
